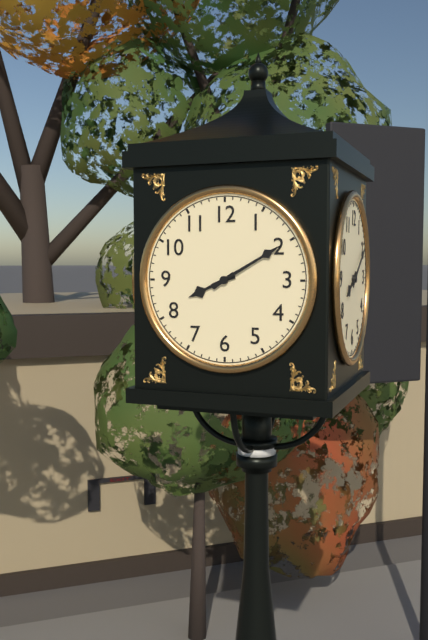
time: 8:10
